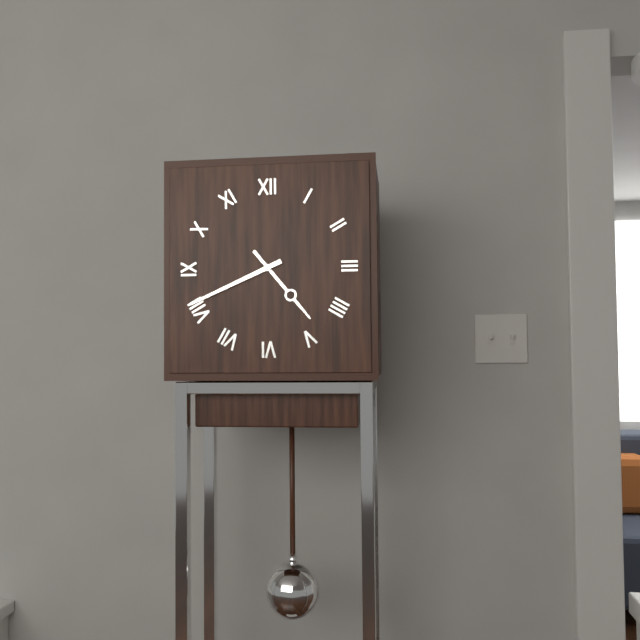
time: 4:41
